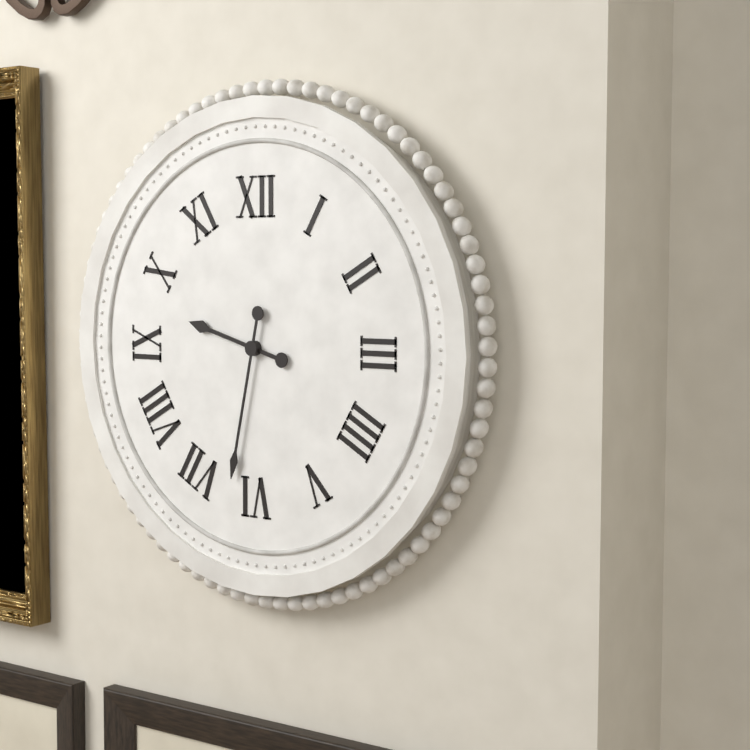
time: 9:32
